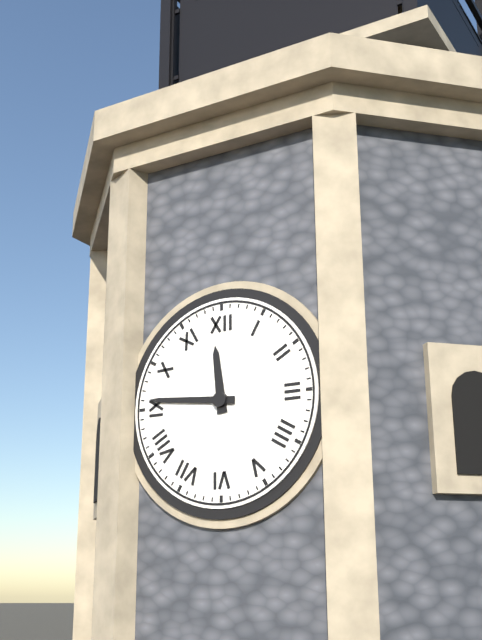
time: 11:46
